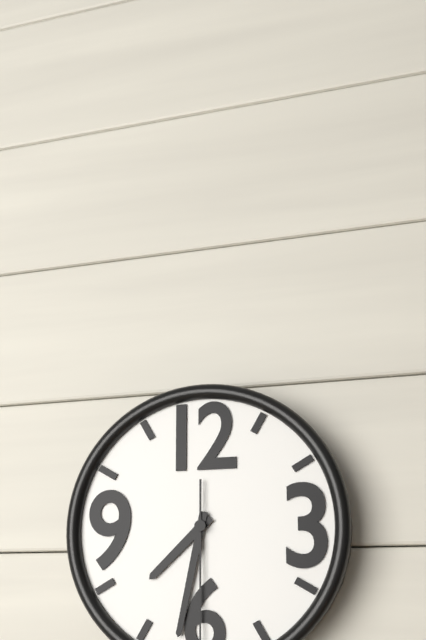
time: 7:32
